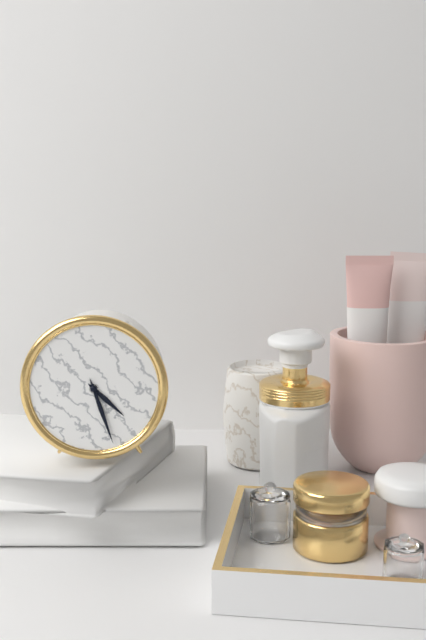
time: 4:27
